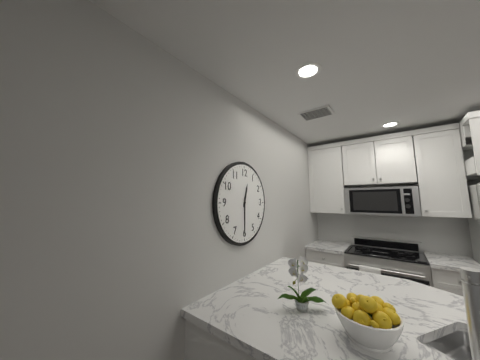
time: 12:30
